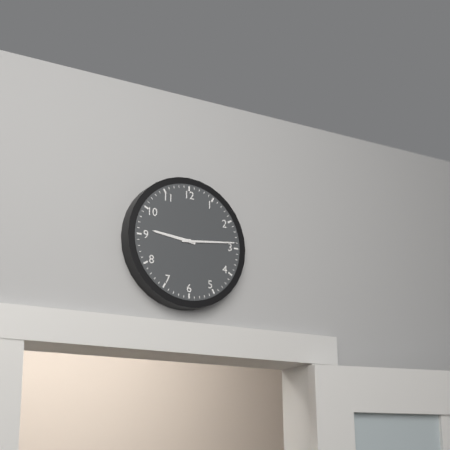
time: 9:14
